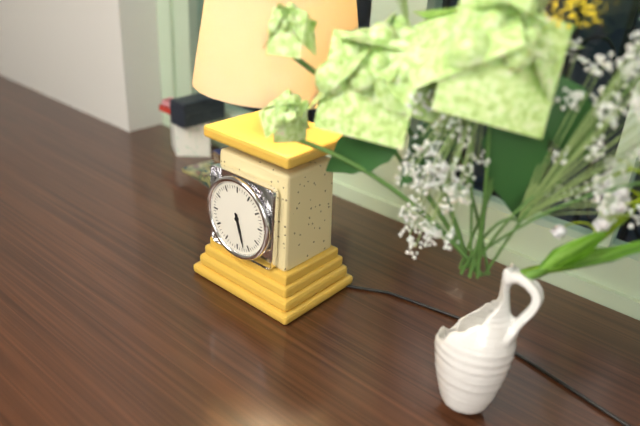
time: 5:27
